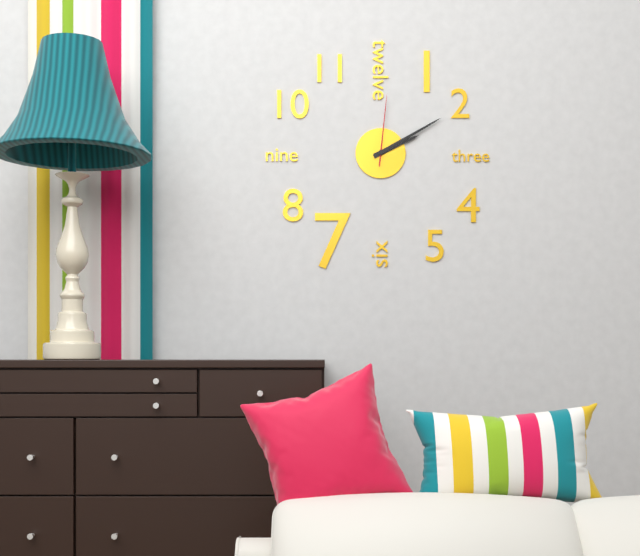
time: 2:10:01
